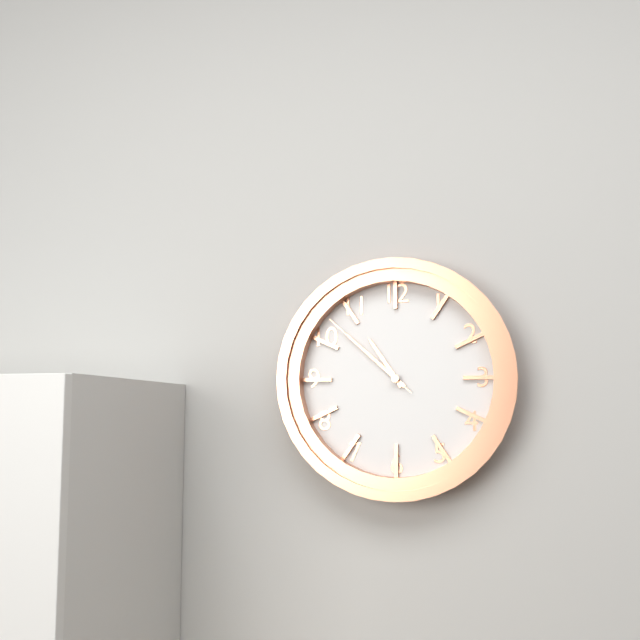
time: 10:52:52
